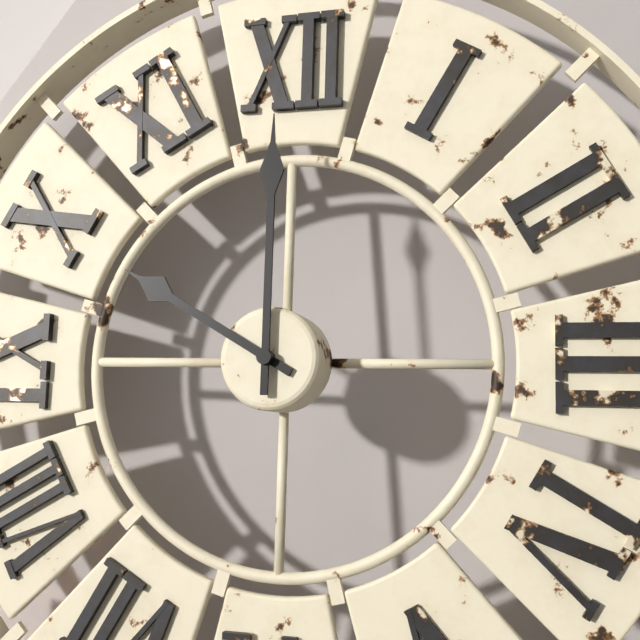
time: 10:00
